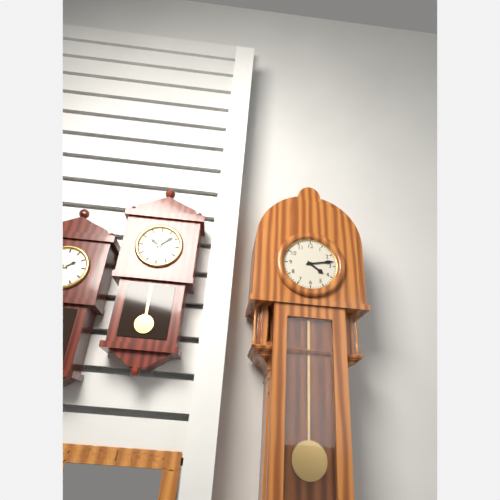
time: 4:13
